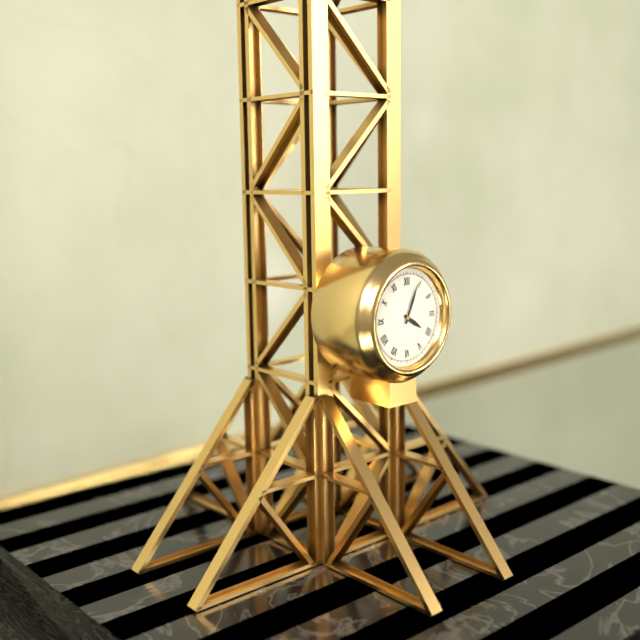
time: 4:04
